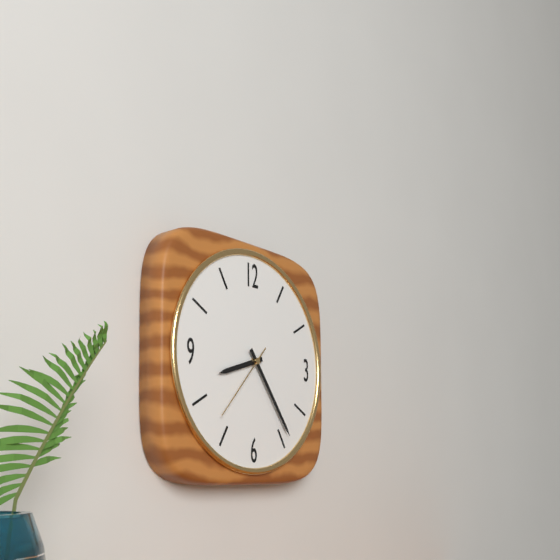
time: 8:24:37
